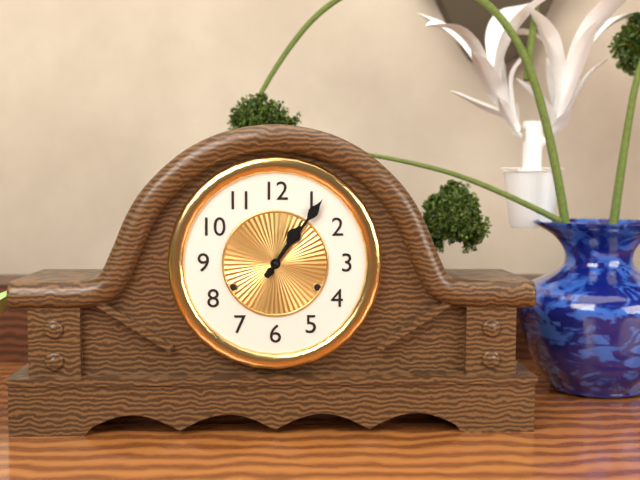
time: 1:06
